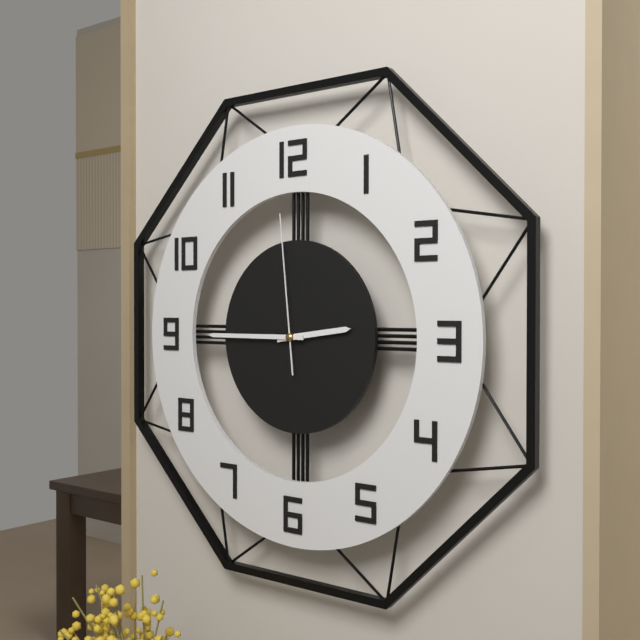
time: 2:45:59
